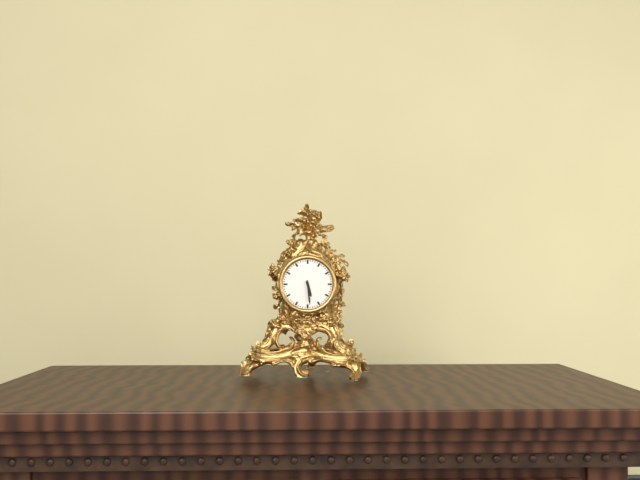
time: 5:29
